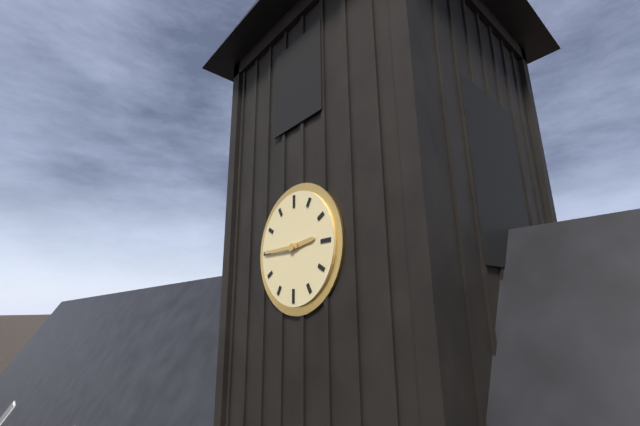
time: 2:45
